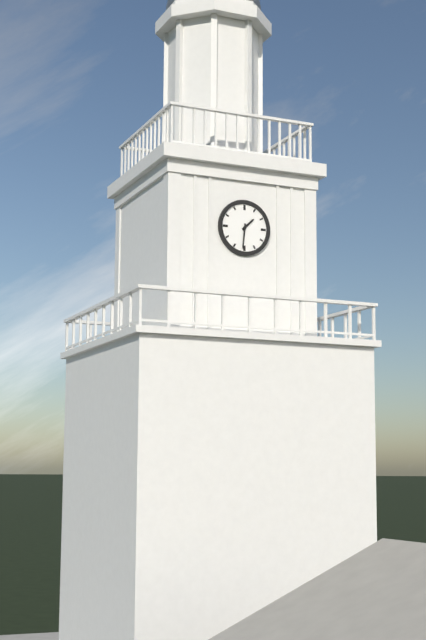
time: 1:31
